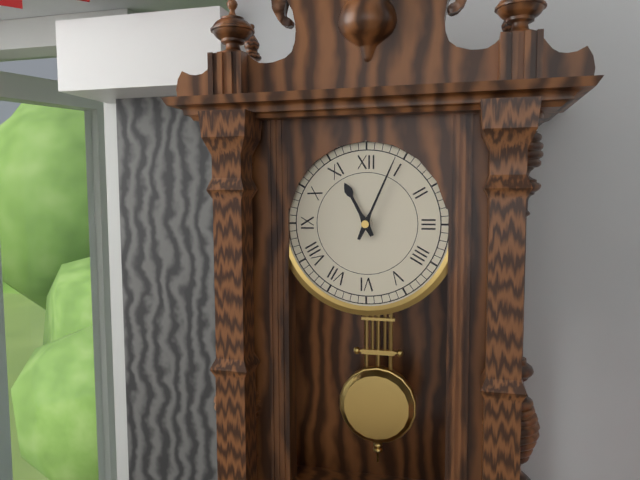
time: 11:04
